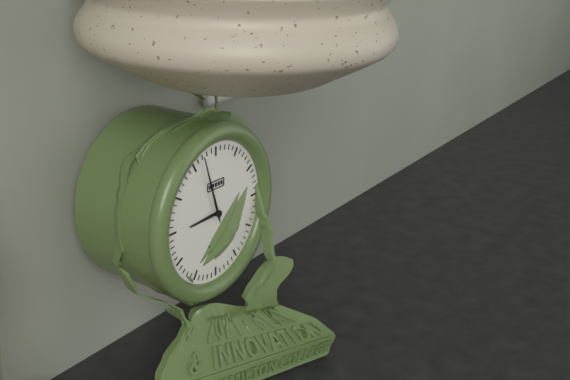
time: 8:57
